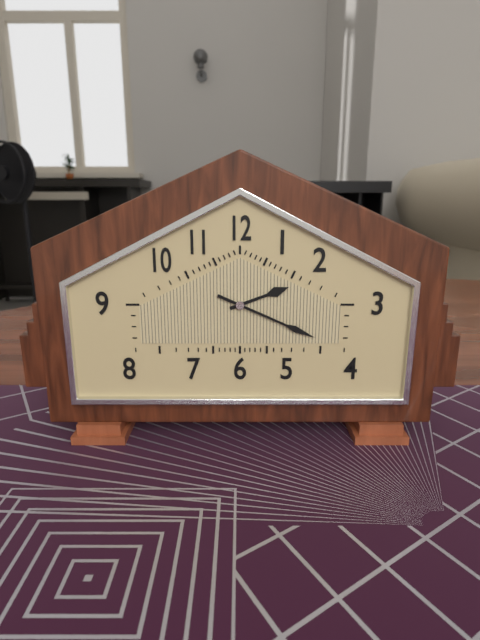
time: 2:19
